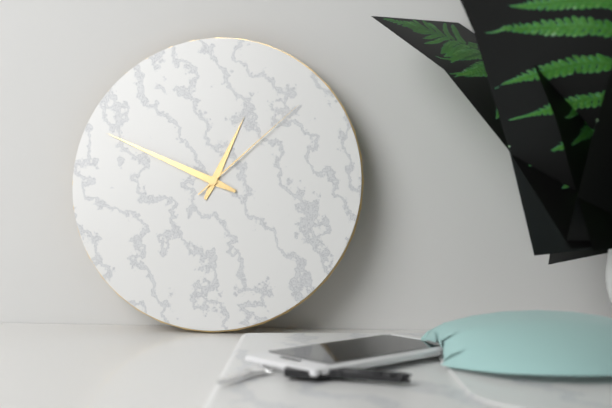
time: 12:49:08
